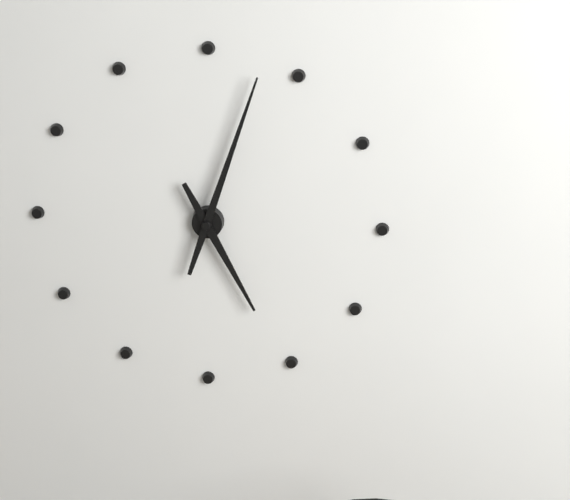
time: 5:03
